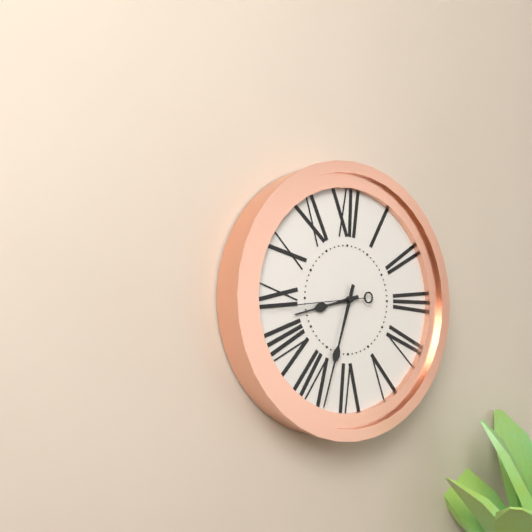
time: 8:33:44
